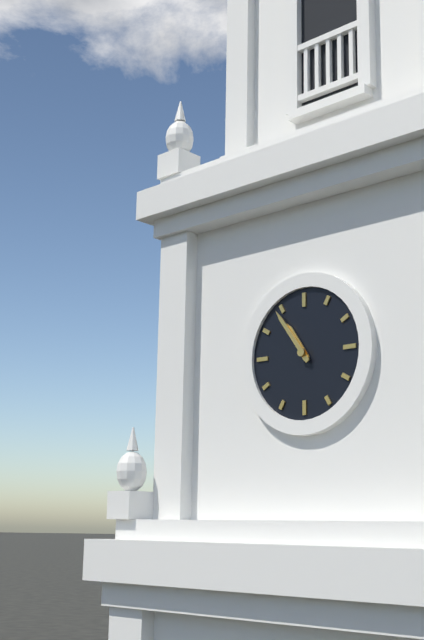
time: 10:54
